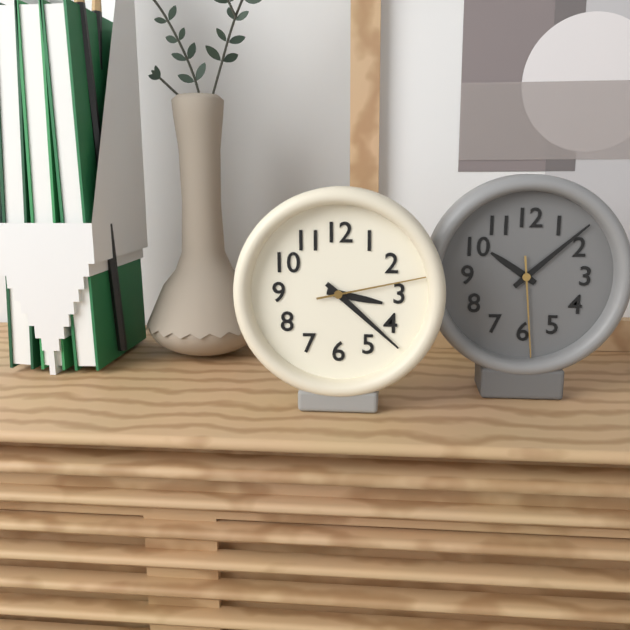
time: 3:22:13
